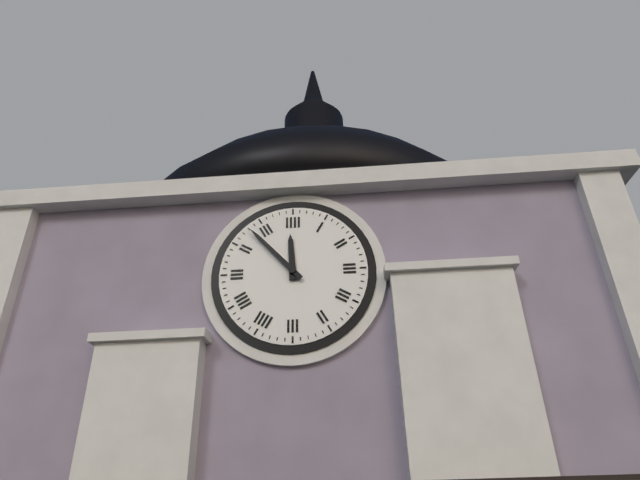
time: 11:53
